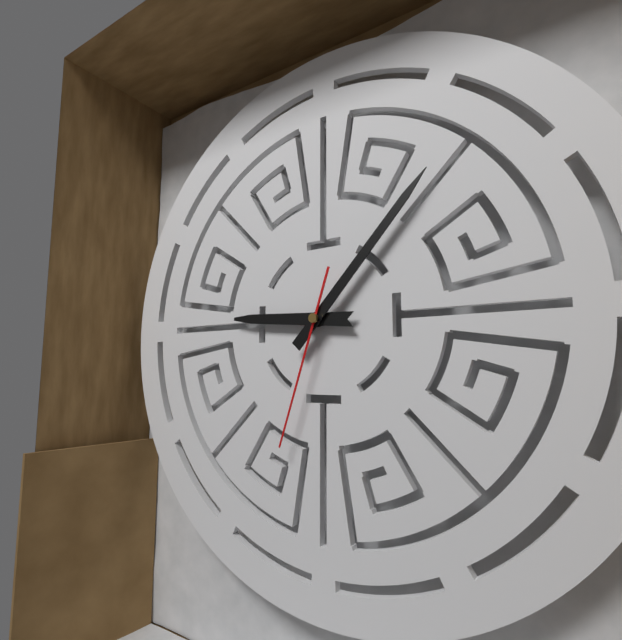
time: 9:07:33
